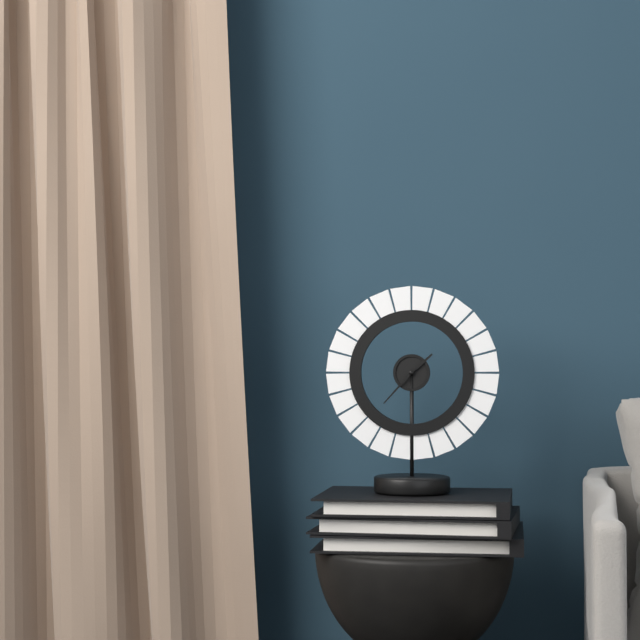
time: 1:37
